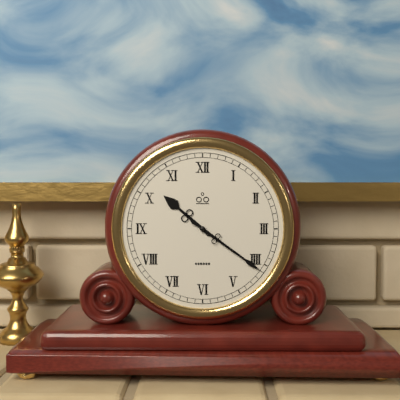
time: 10:21
